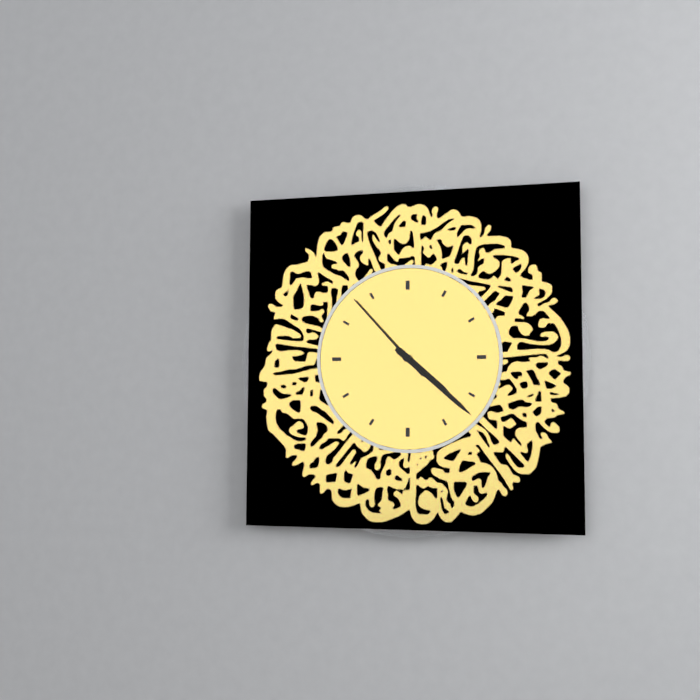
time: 4:22:53
